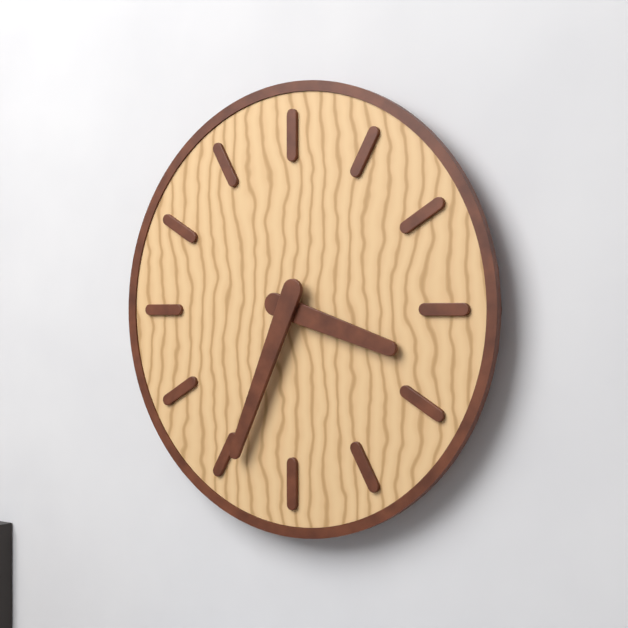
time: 3:34
